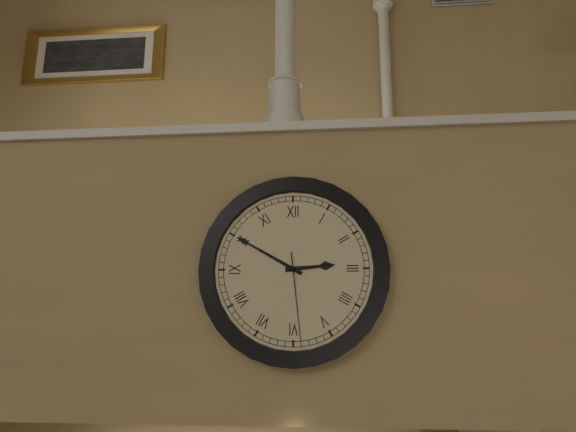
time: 2:50:29
